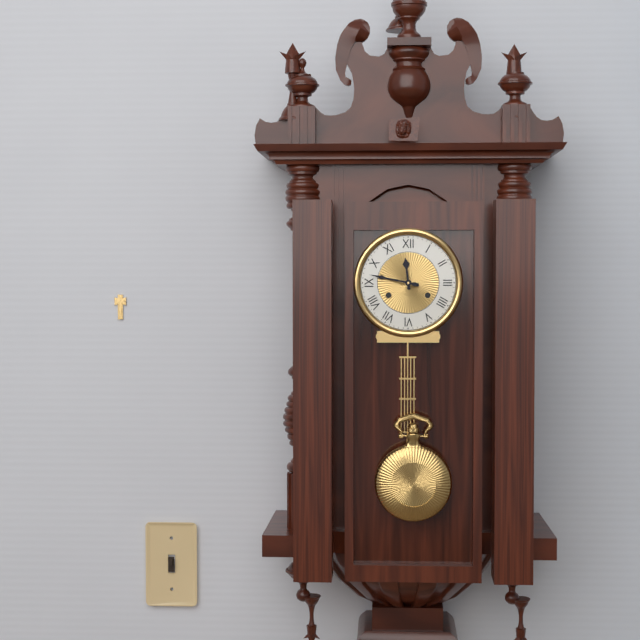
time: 11:47
